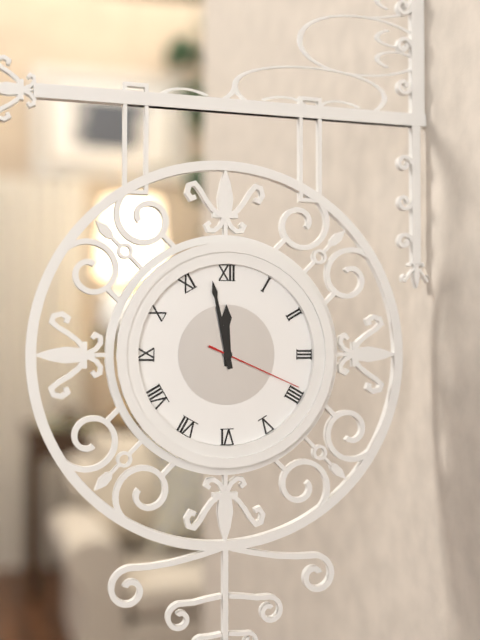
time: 11:58:19
